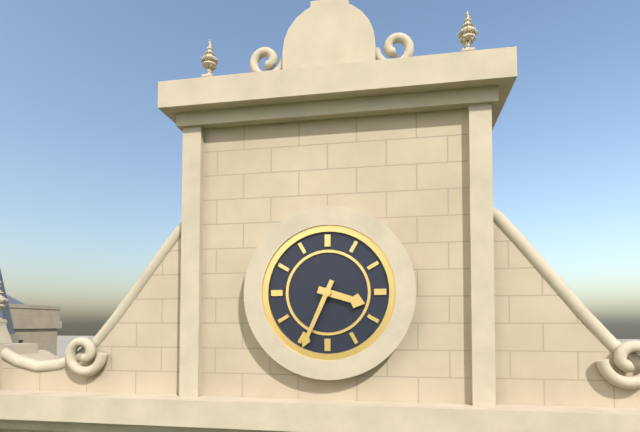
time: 3:34
